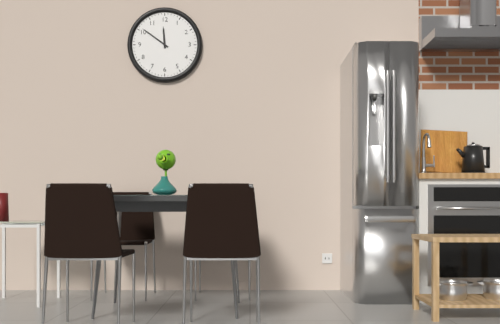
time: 11:51
